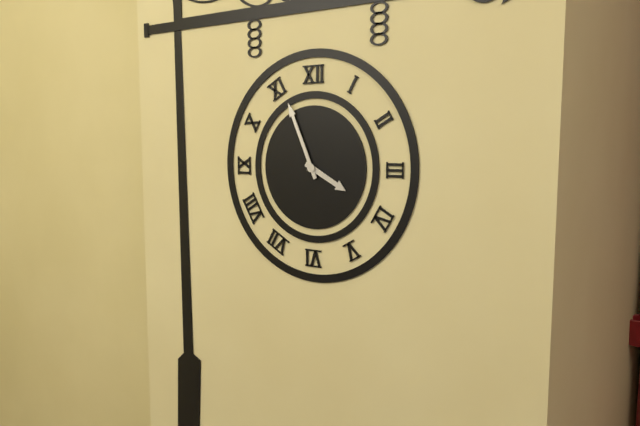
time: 3:56
